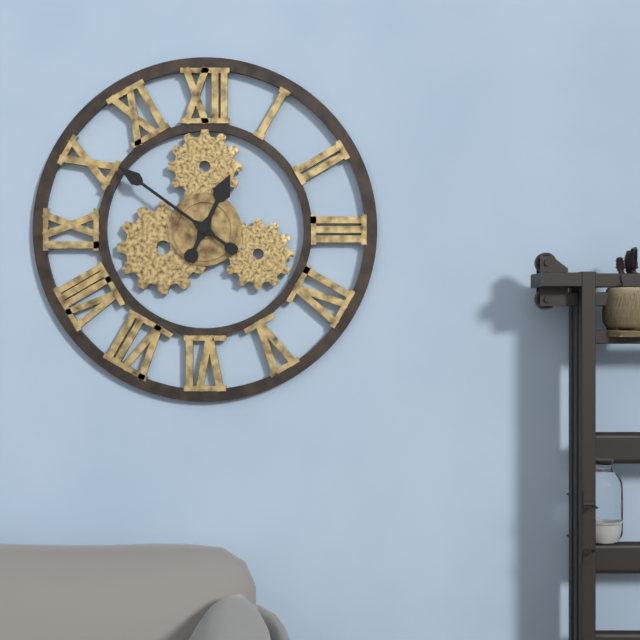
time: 12:51
